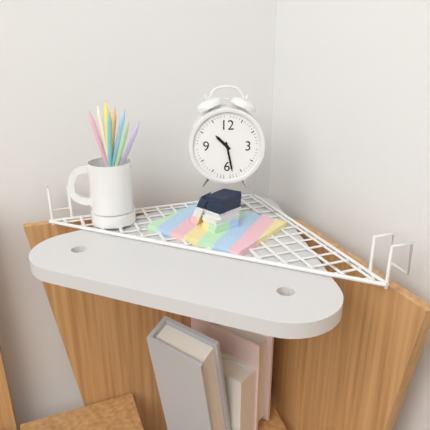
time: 10:28
